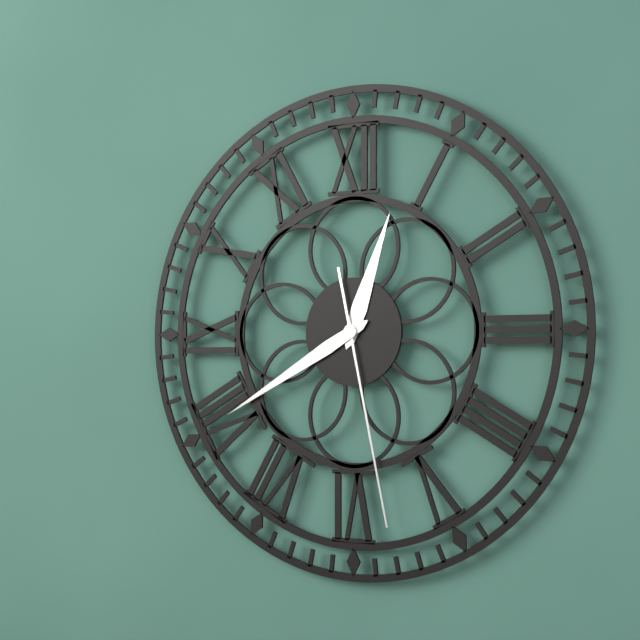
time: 12:40:28
